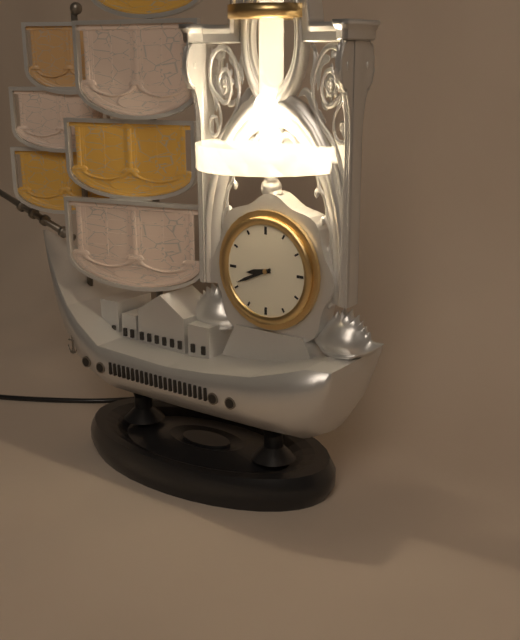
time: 8:41
